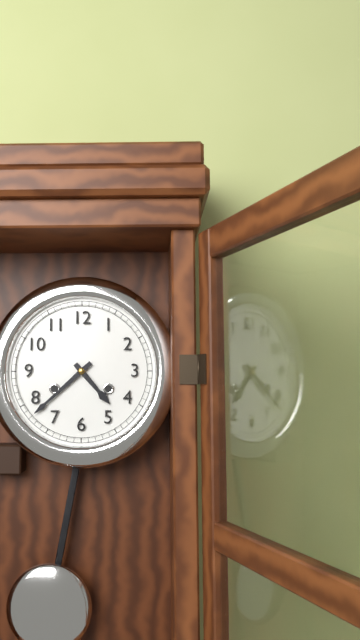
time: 4:38
